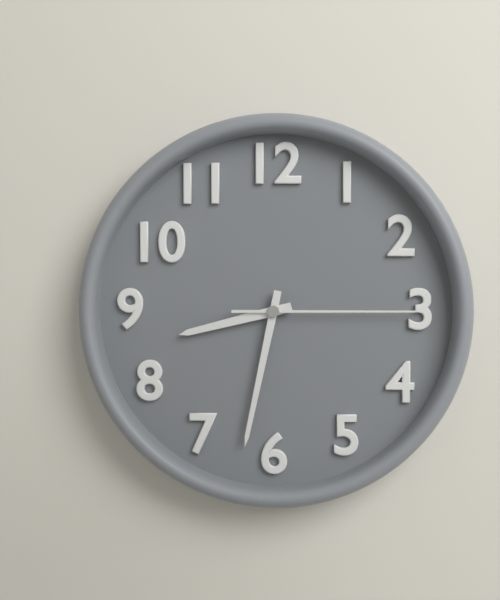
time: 8:32:15
